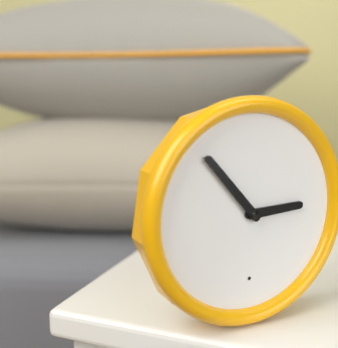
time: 2:53
